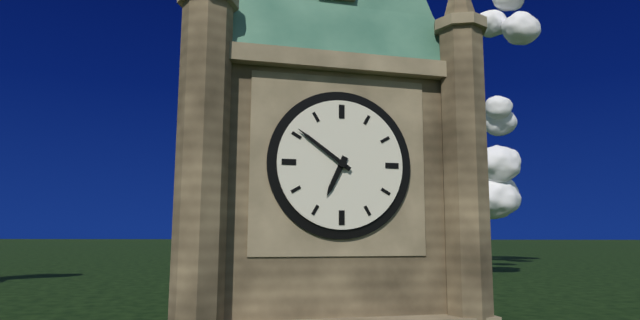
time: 6:51
